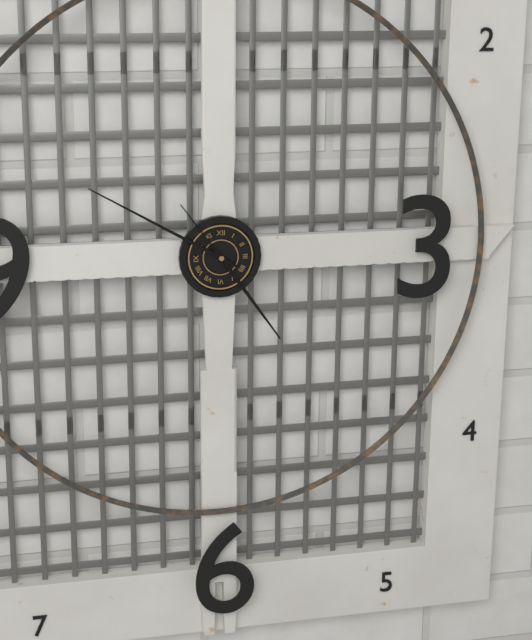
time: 4:50:54
